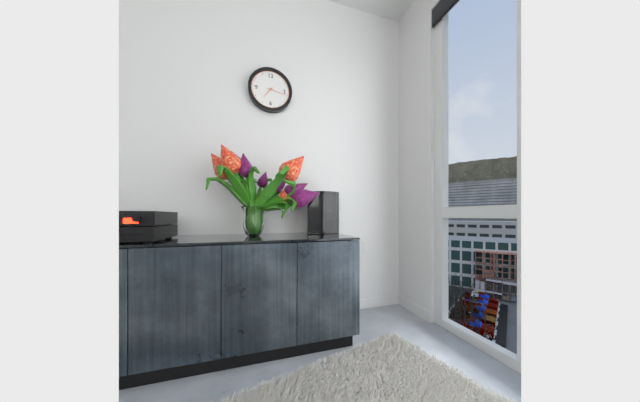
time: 7:17
